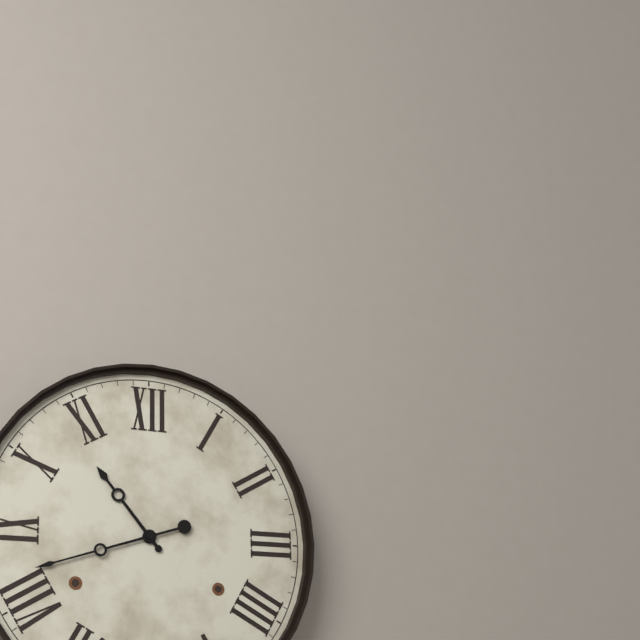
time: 10:42
